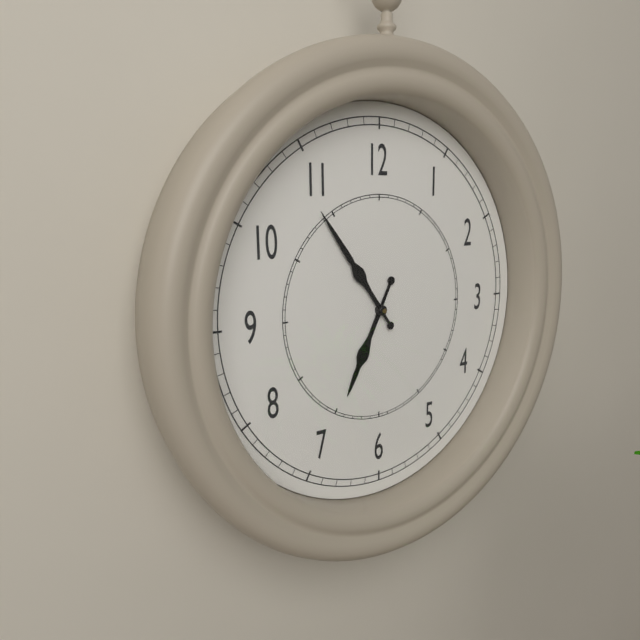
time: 6:54
